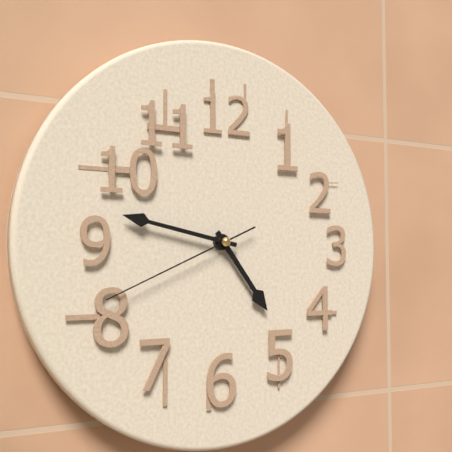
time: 4:47:41
